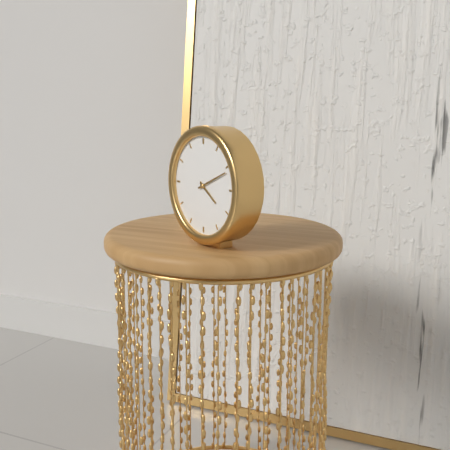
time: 4:11
